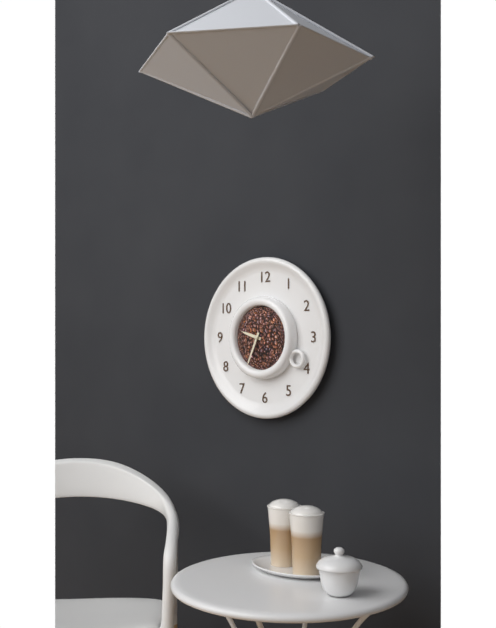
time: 9:34
